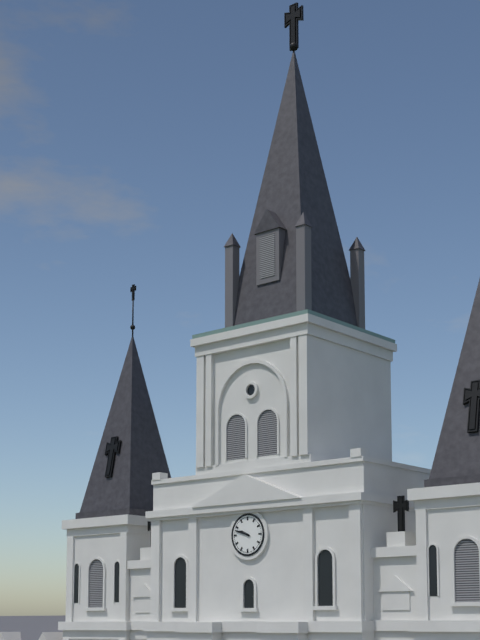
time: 9:48
